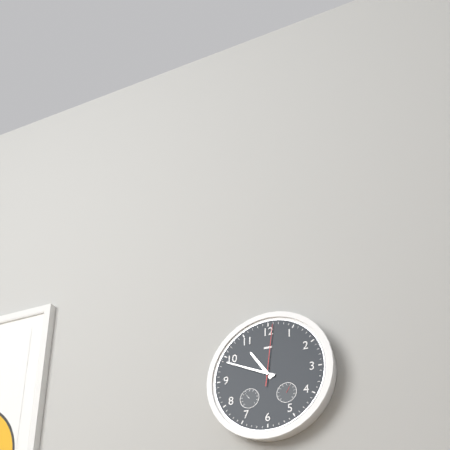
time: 10:49:01
